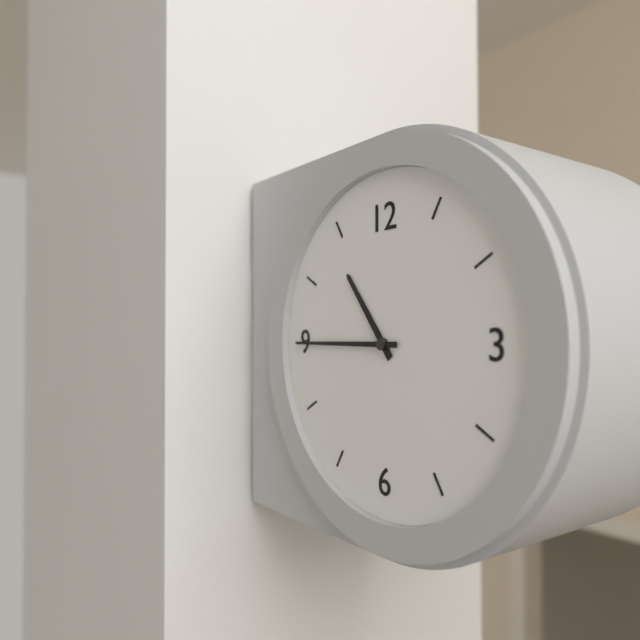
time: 10:45
